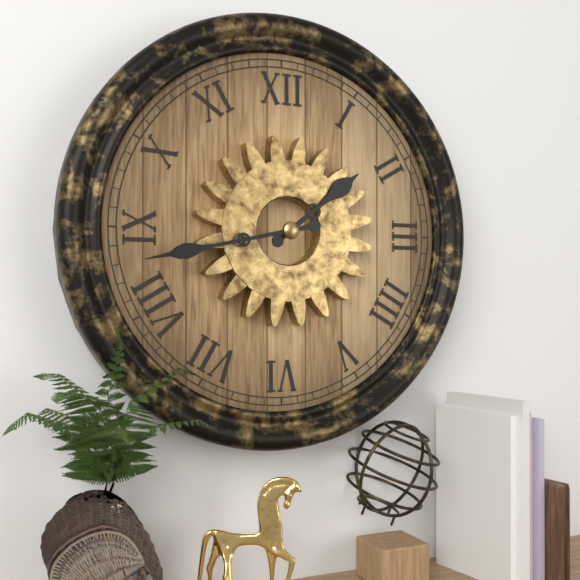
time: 1:43
